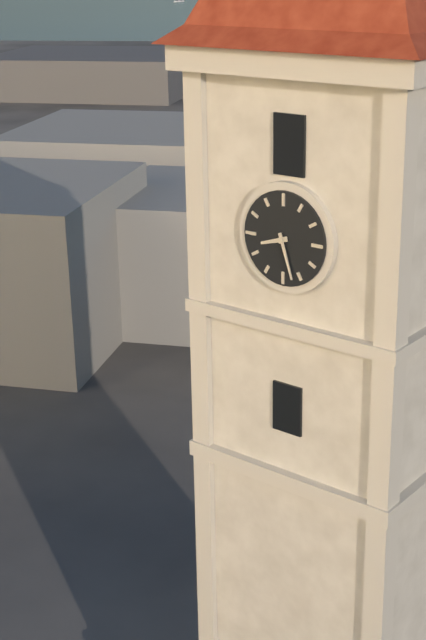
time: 8:27
